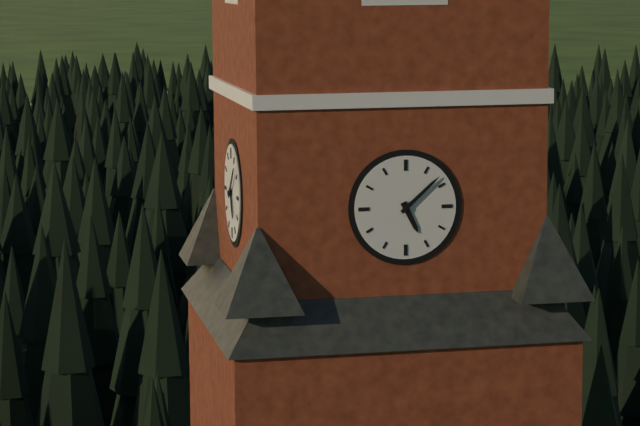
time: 5:08
